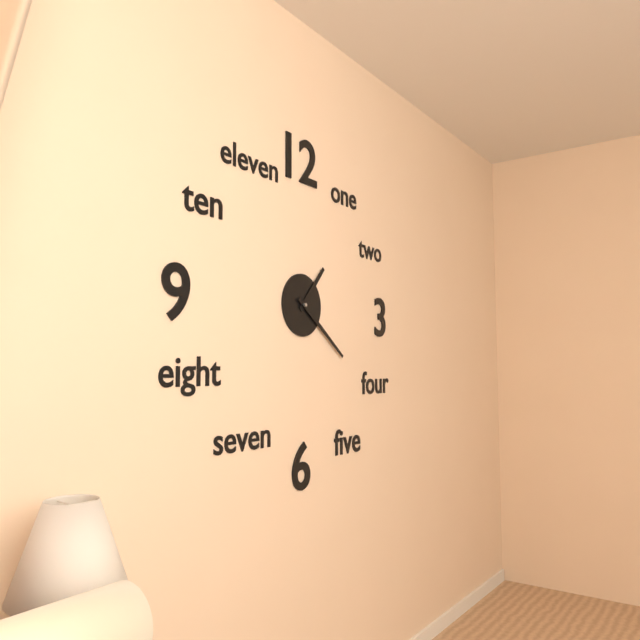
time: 1:21
